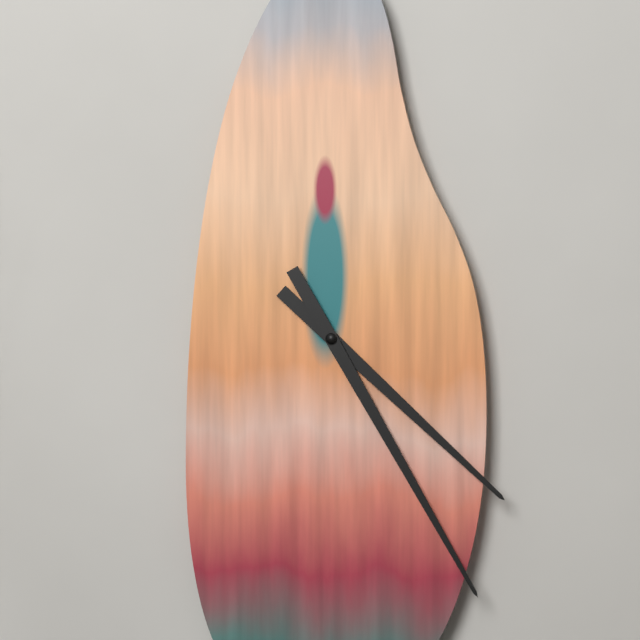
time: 4:25
